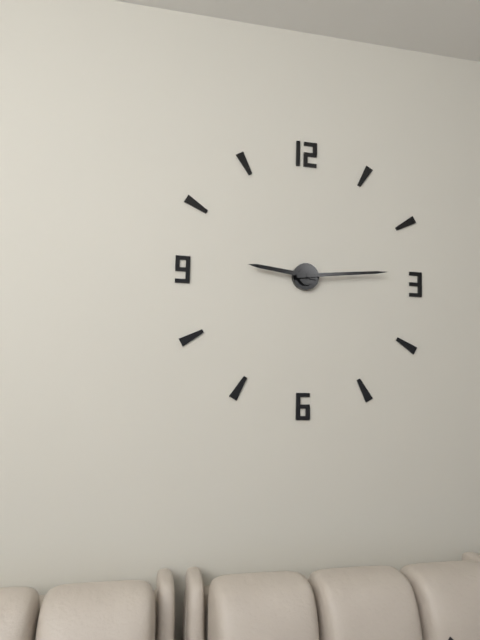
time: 9:14
